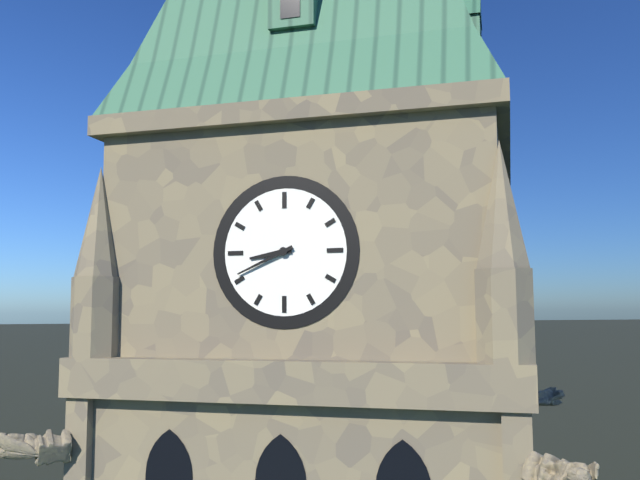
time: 8:41
